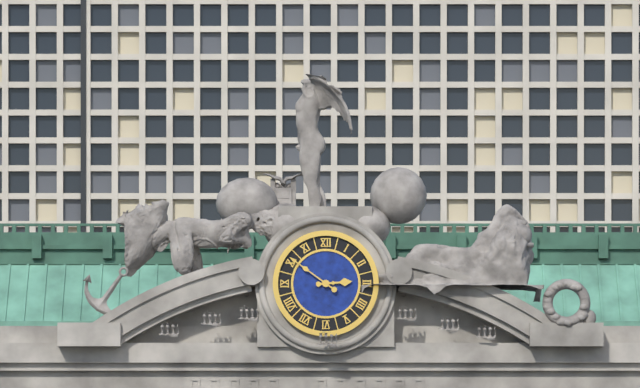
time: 2:51
